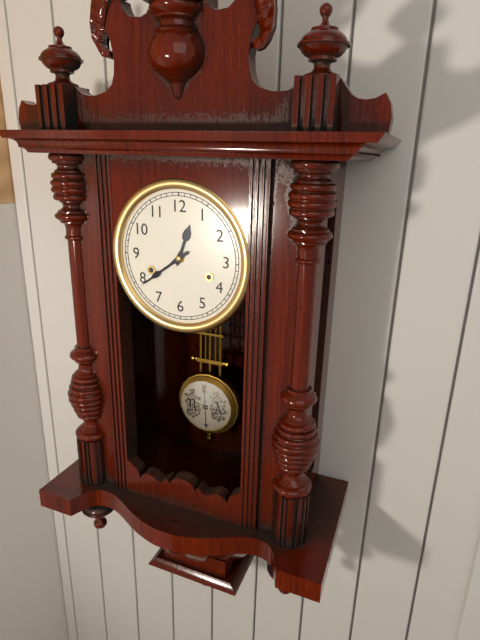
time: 12:39
